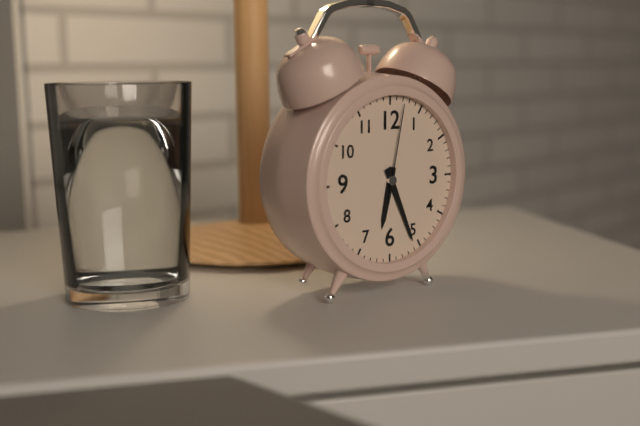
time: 6:26:02
